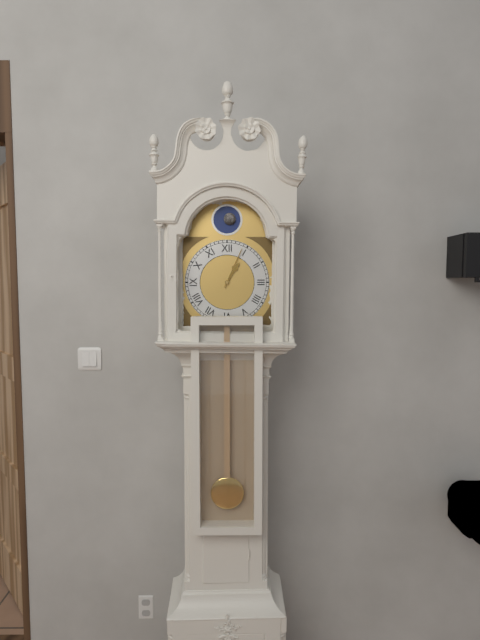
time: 1:04
